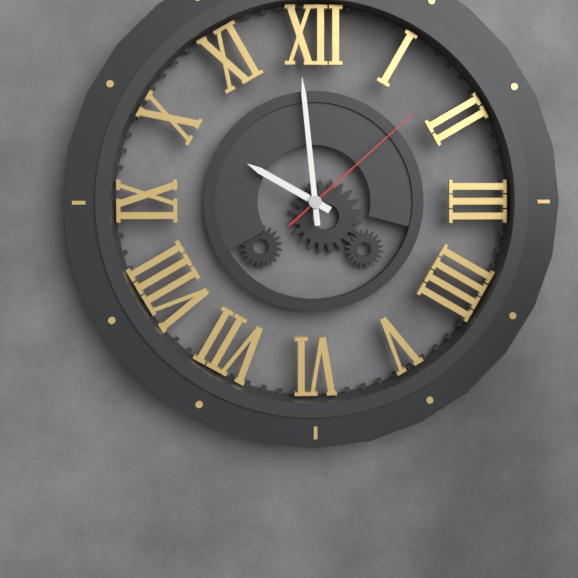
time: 9:59:08
